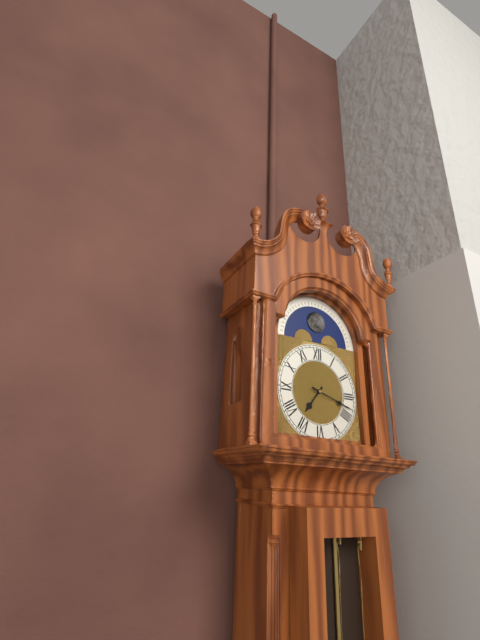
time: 7:18
